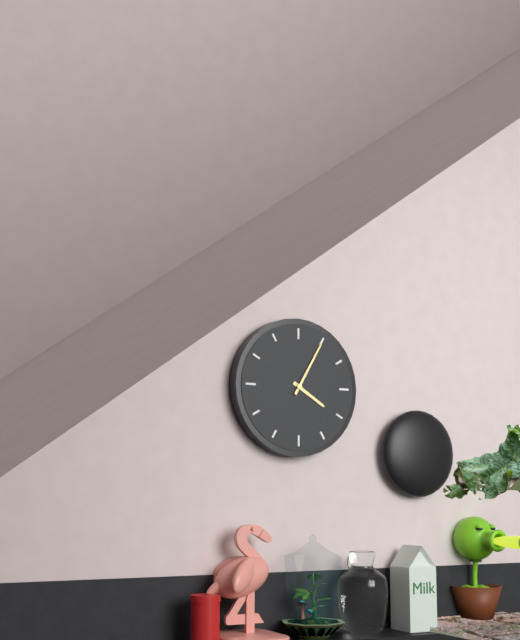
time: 4:05
